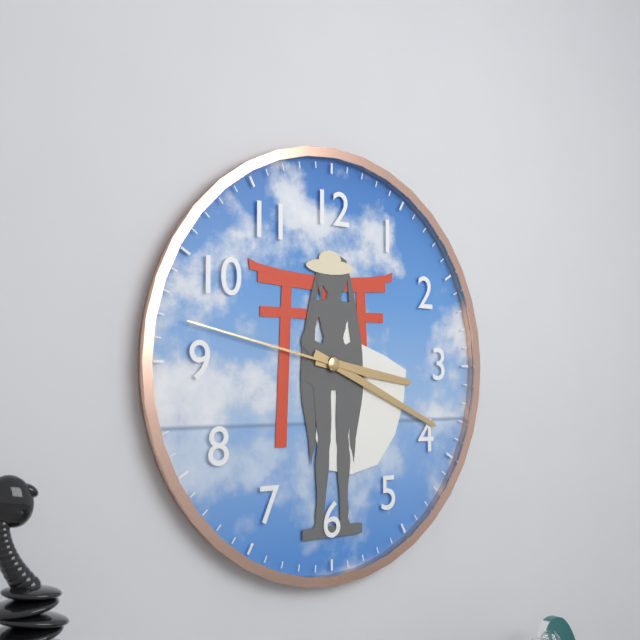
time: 3:19:47
